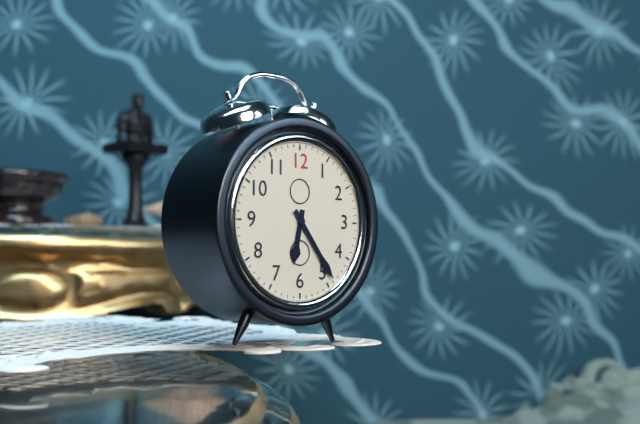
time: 6:24
